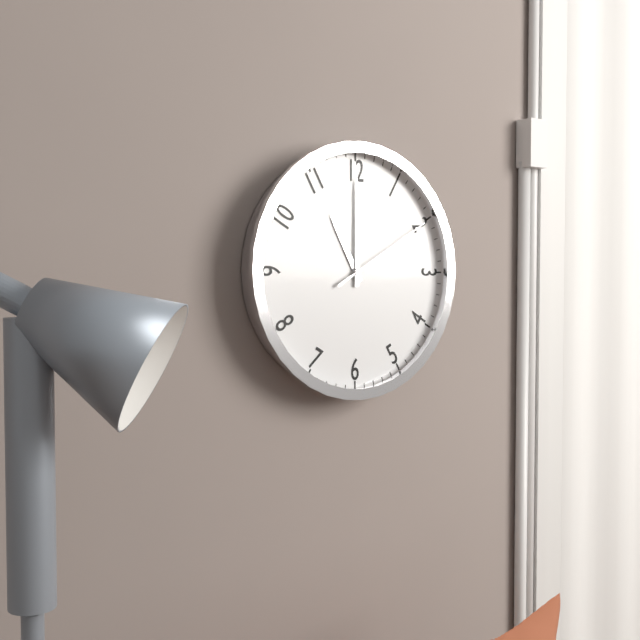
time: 11:00:10
